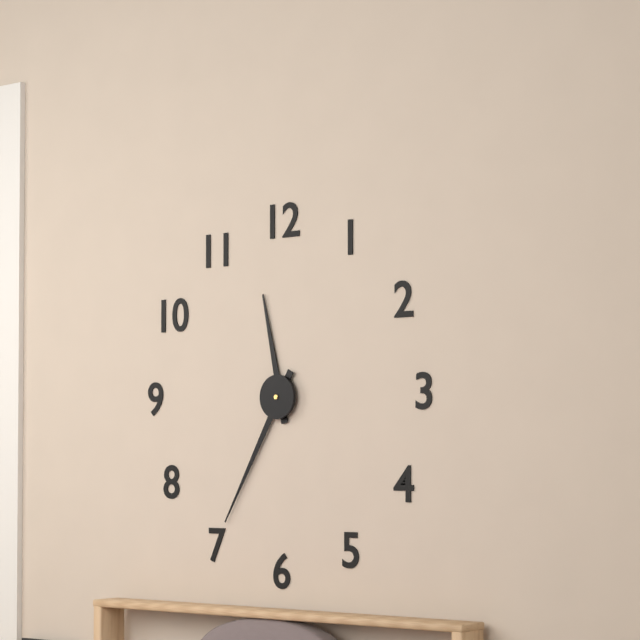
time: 11:35
